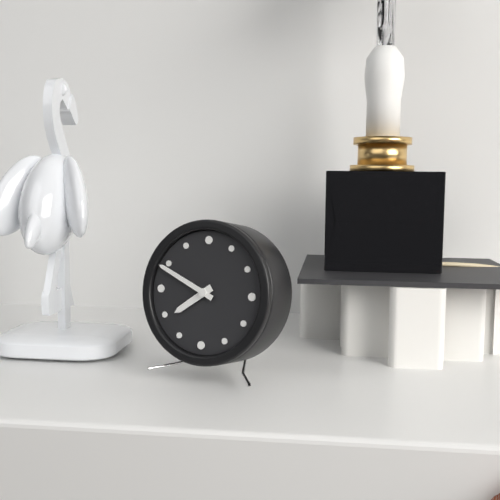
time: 7:49
